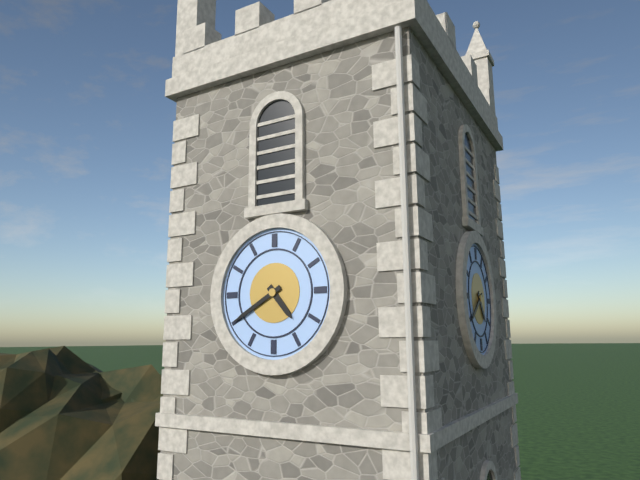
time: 4:40
